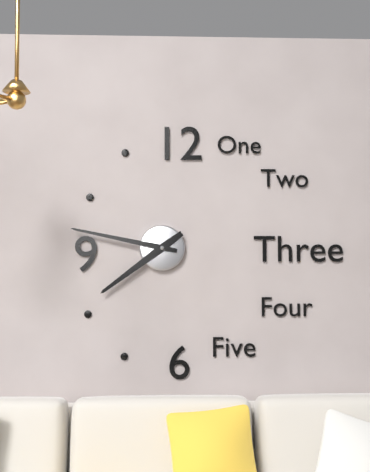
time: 7:47
